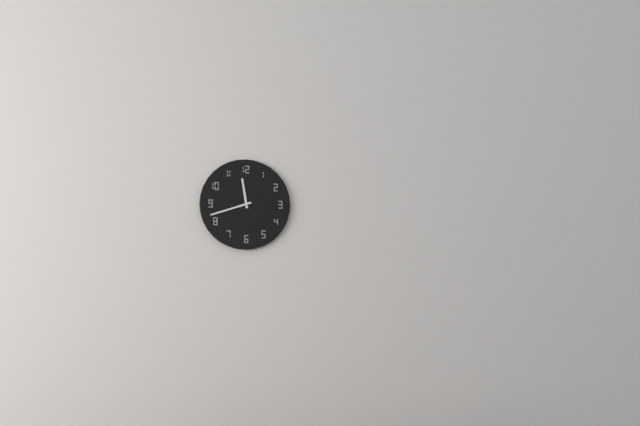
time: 11:42
